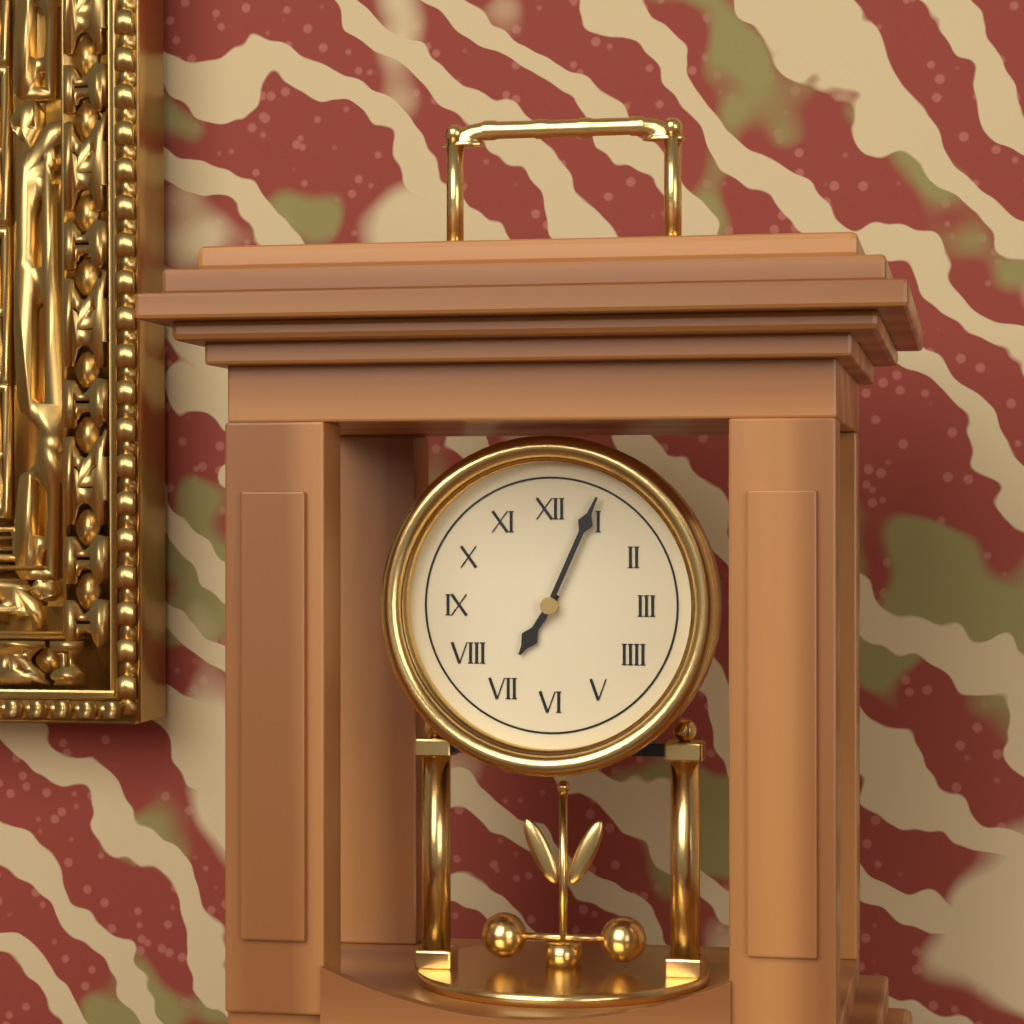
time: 7:04
